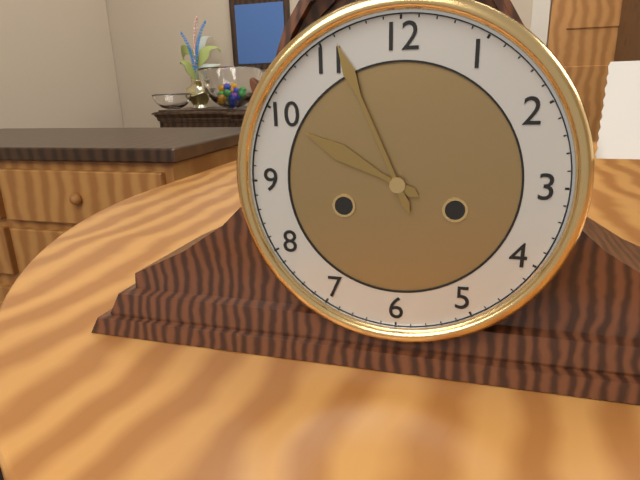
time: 9:56
